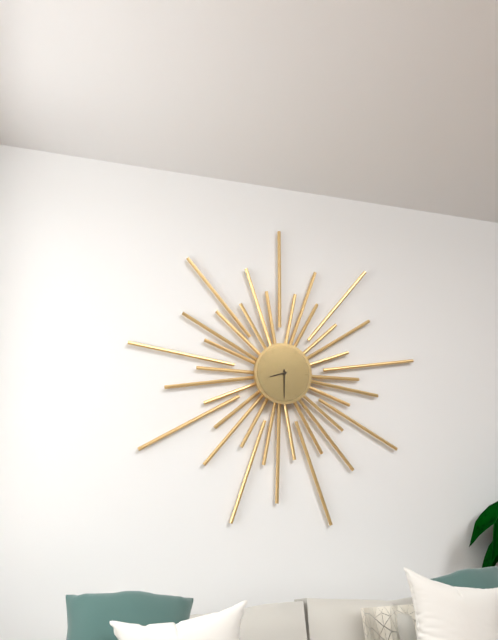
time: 8:30
